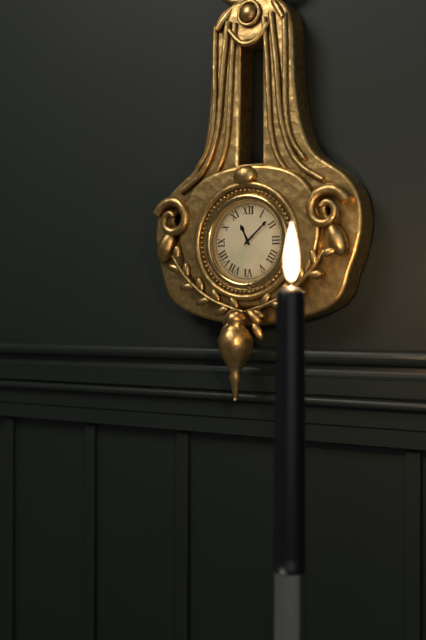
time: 11:08
